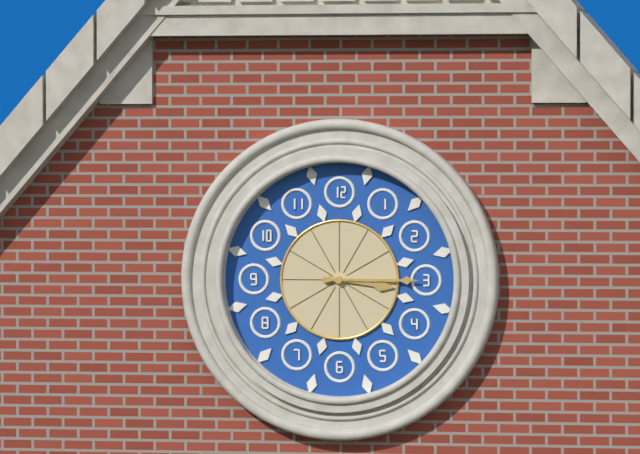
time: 3:15
